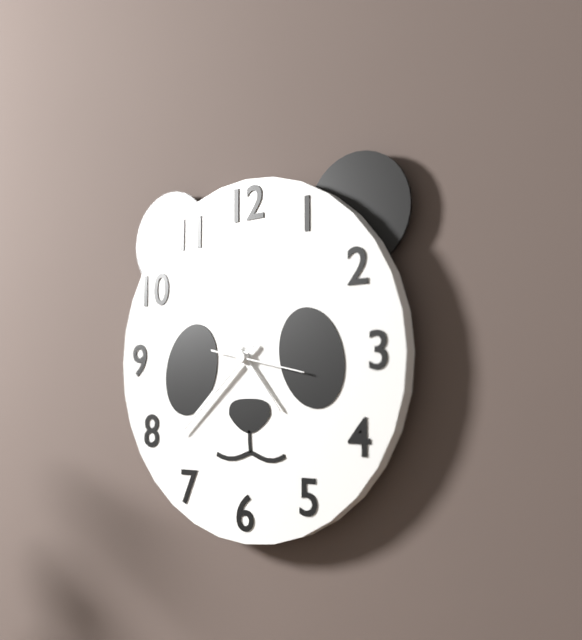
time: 4:38:17
